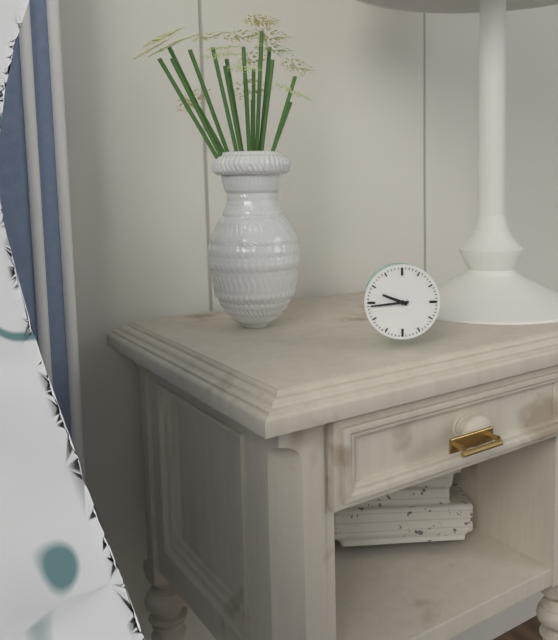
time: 9:44
